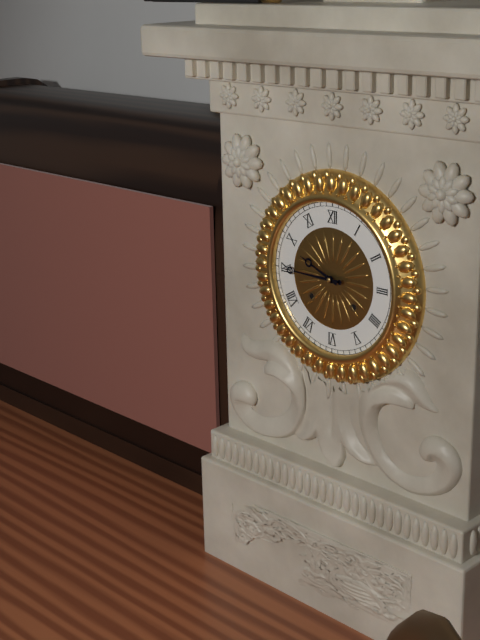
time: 9:45
